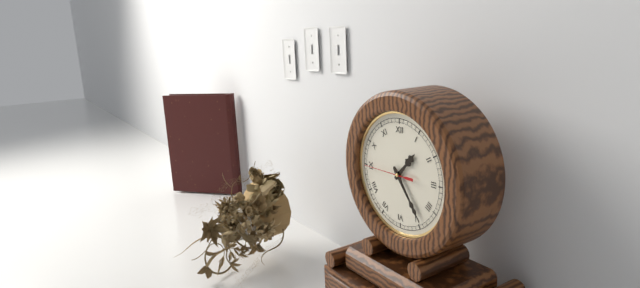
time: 1:24
